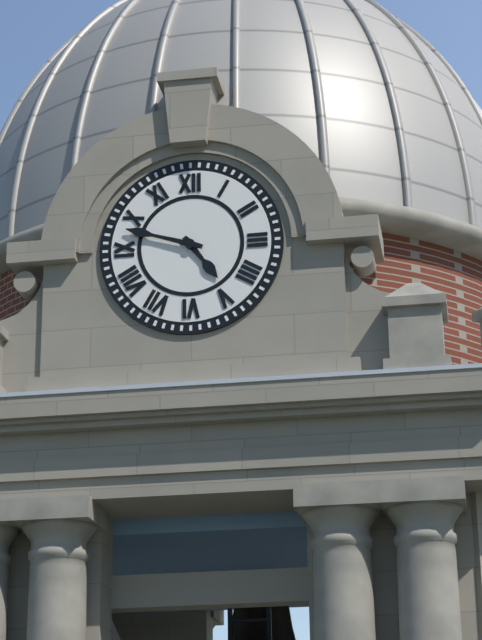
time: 4:48
